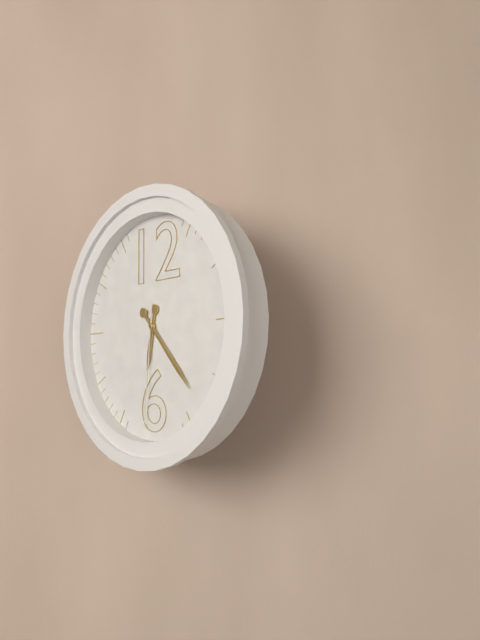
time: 6:23:31
